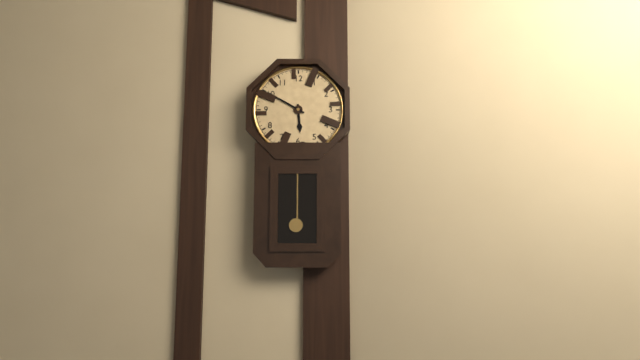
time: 5:50
